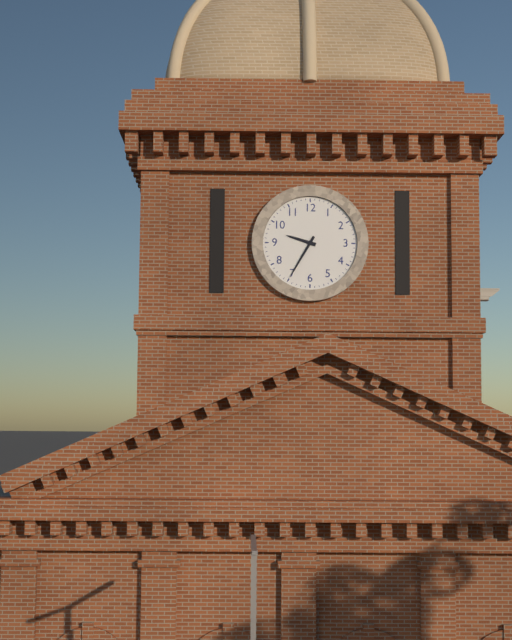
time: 9:35
